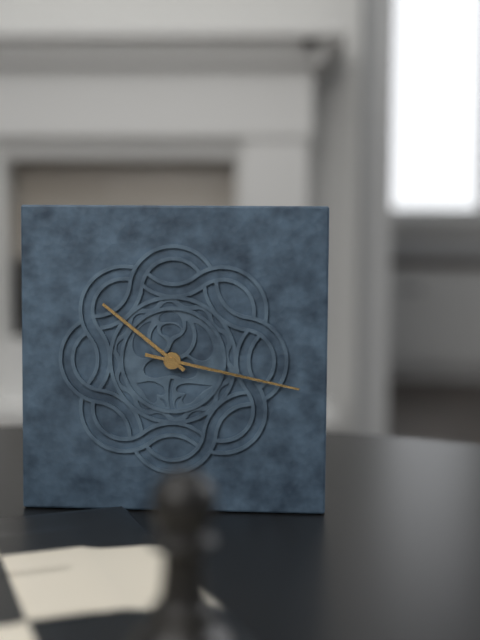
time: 10:17
